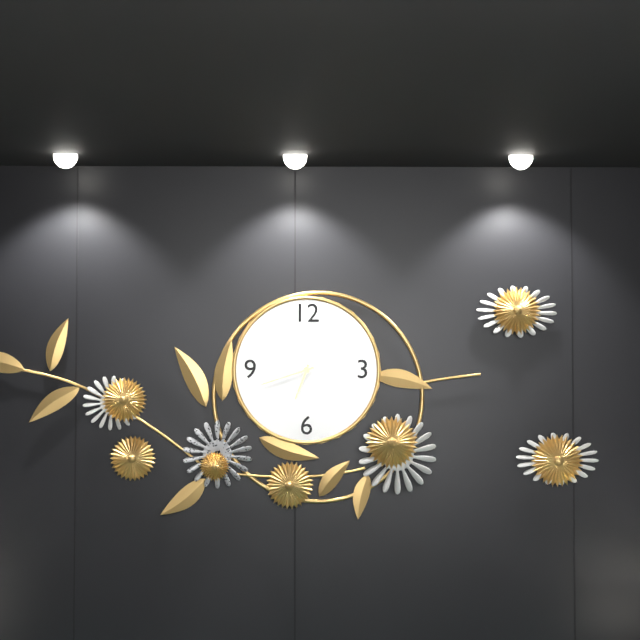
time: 6:42
